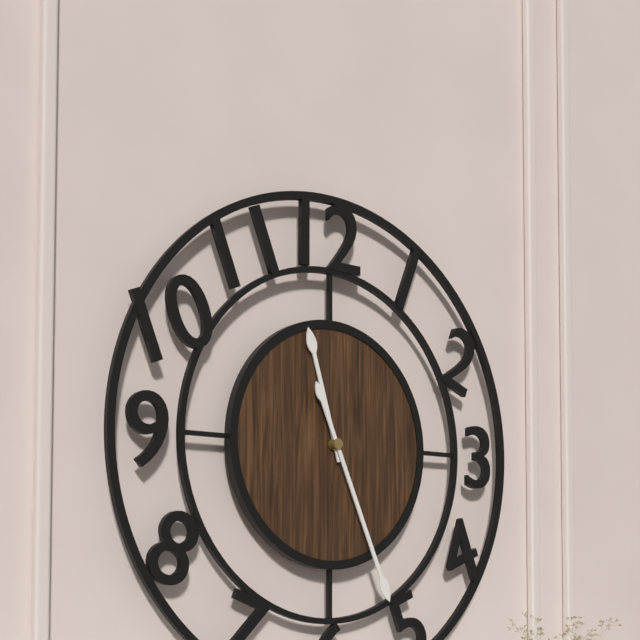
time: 11:26
